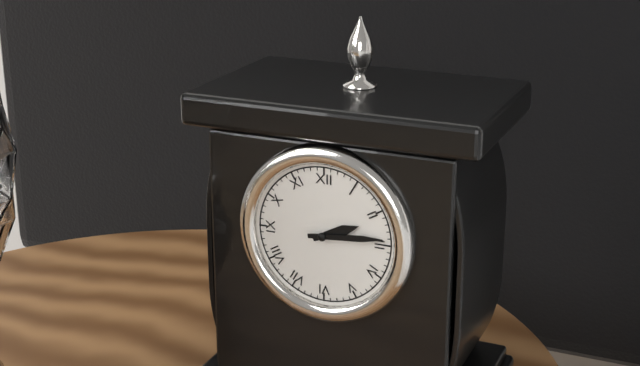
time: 2:14
